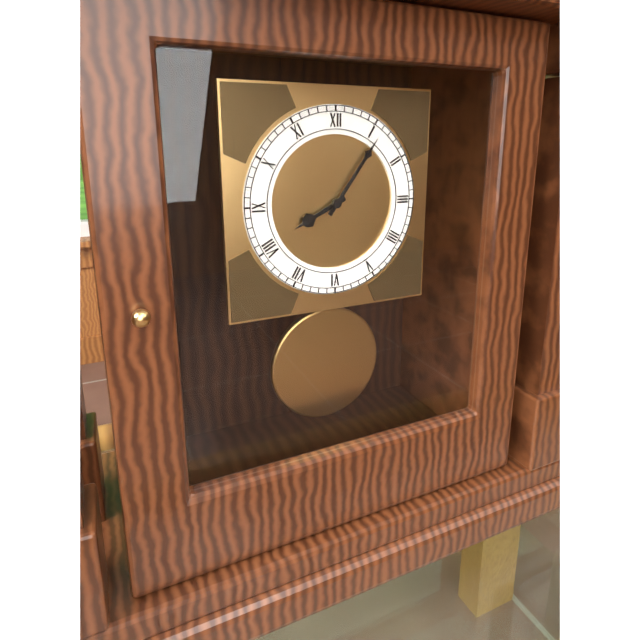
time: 8:06
